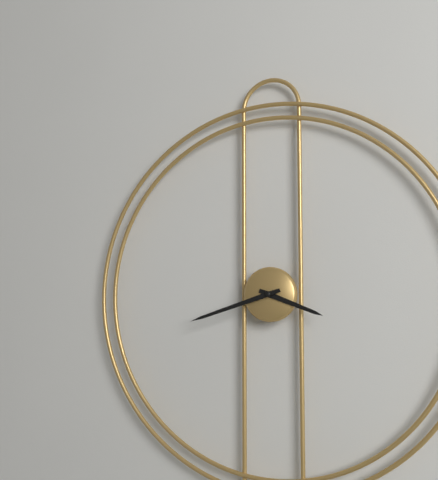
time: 3:42
